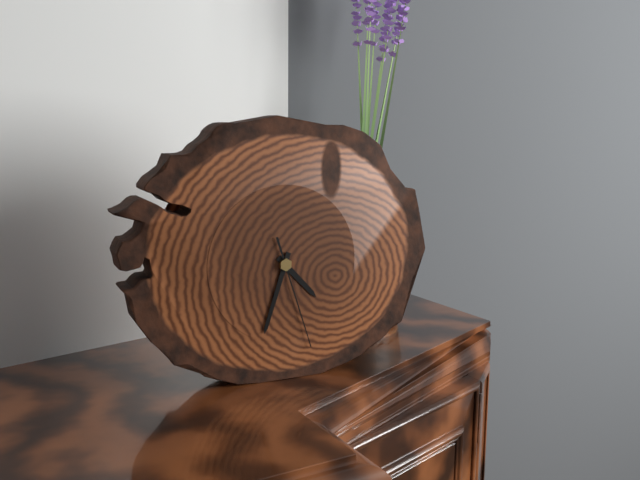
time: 4:33:27
